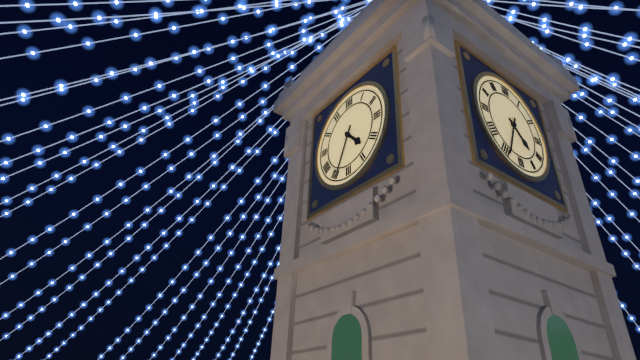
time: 4:34
